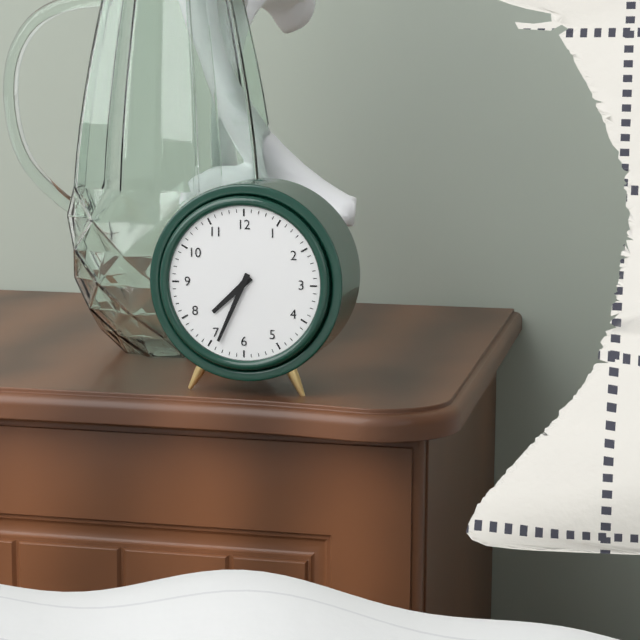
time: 7:34
